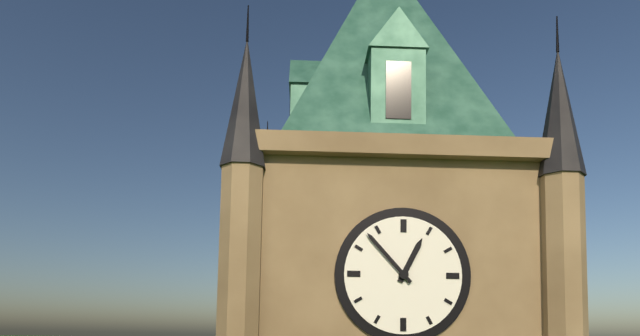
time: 12:53
